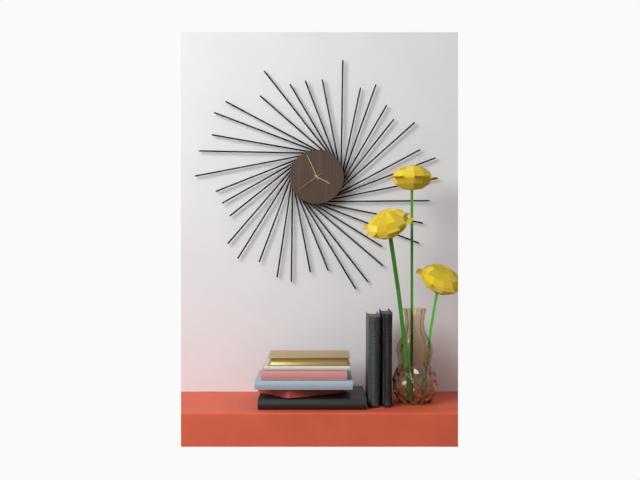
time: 3:56
